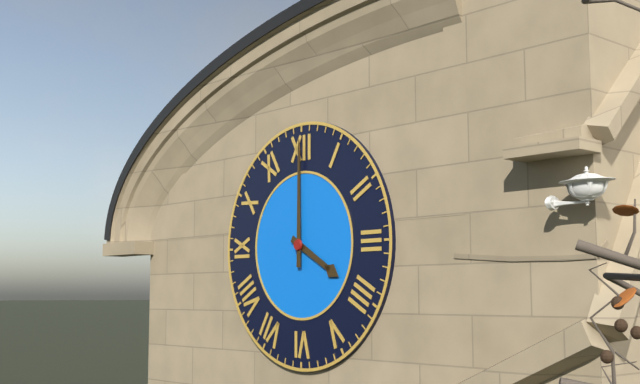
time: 4:00
